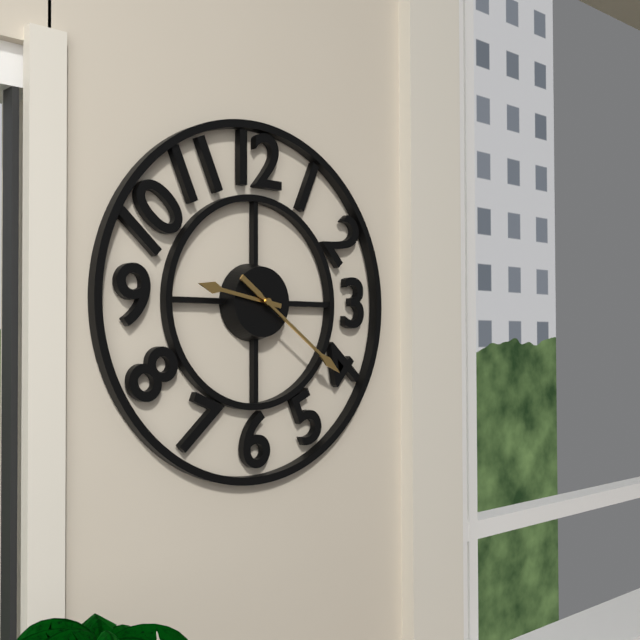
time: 9:21
